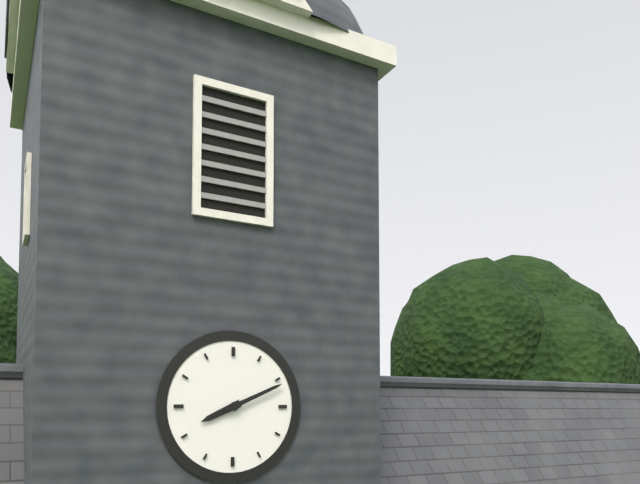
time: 8:11
